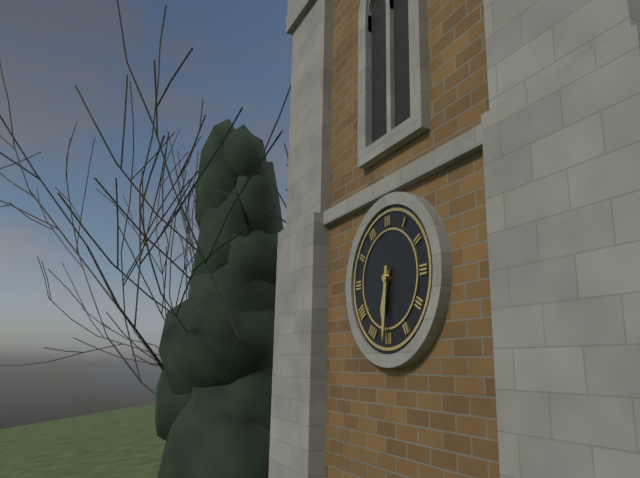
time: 6:31
